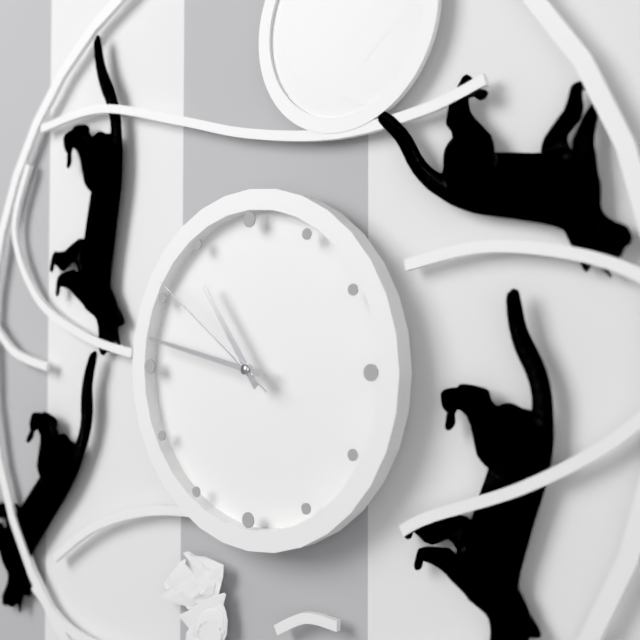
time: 10:47:51
